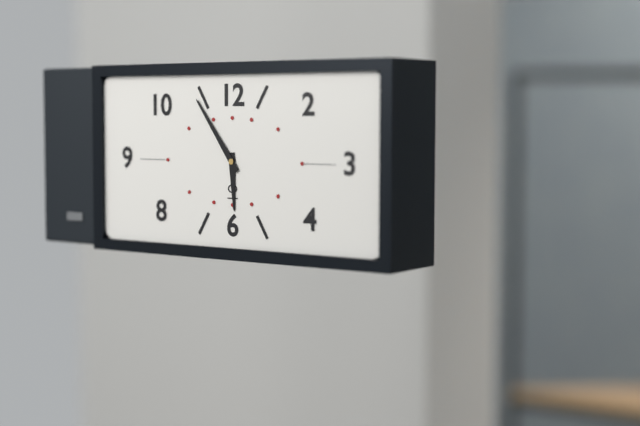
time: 5:54
